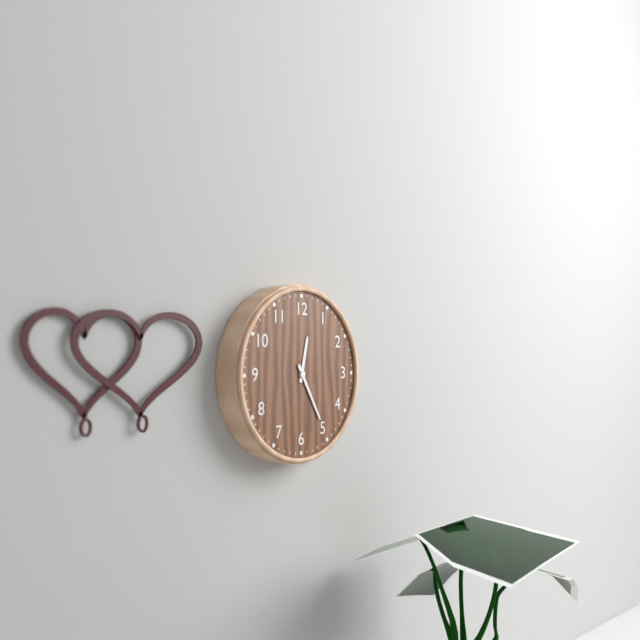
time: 12:25
